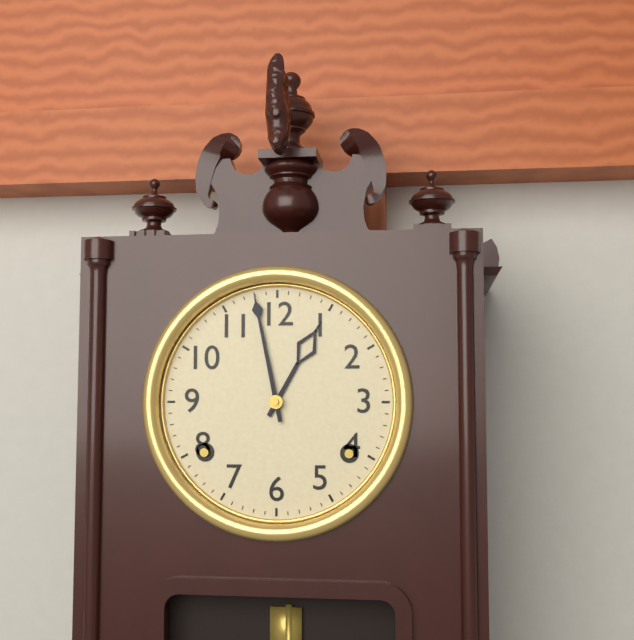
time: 12:58
